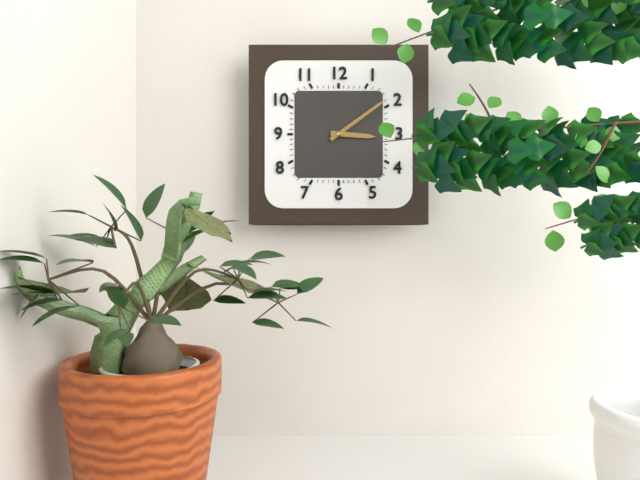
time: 3:09
